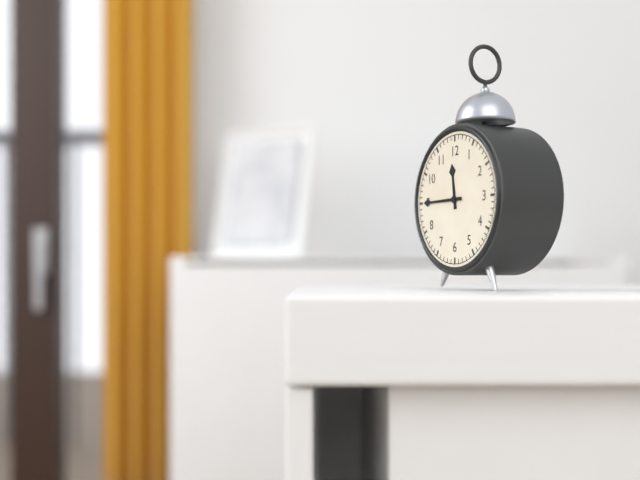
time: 11:45
